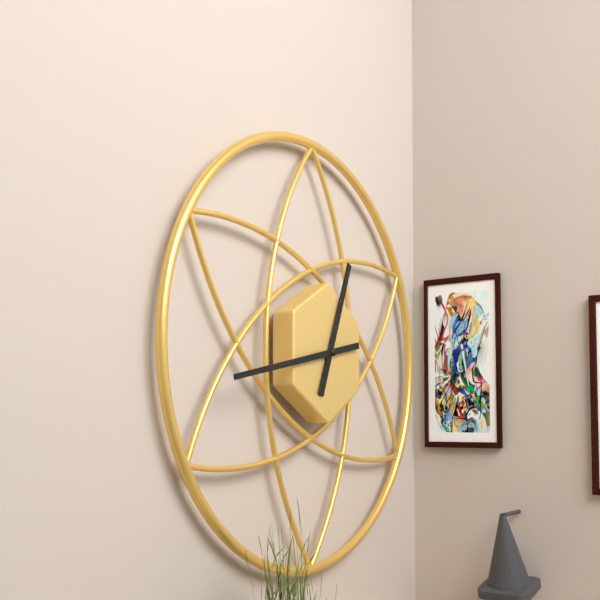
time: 12:43
